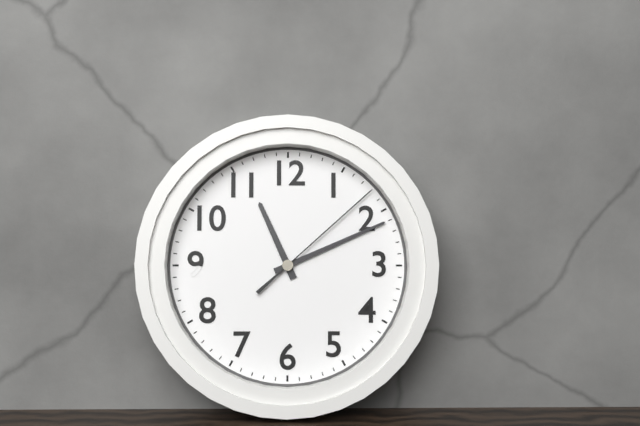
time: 11:11:08
